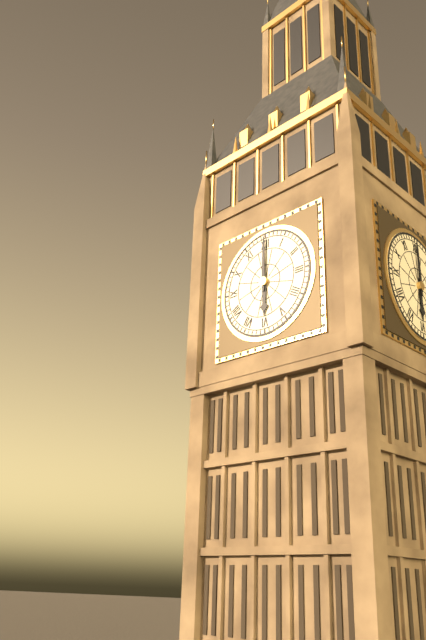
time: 6:00
